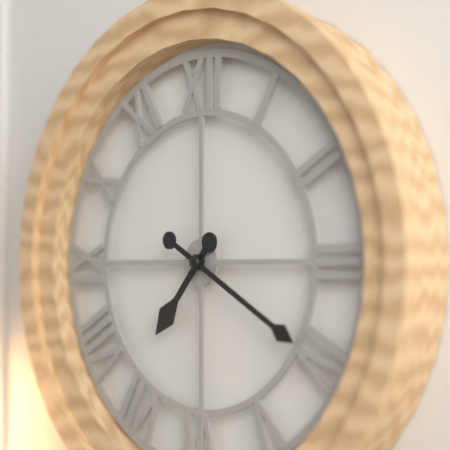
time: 7:20
